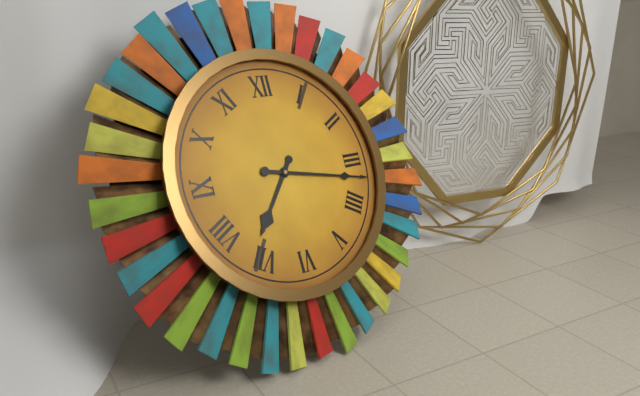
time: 7:17
